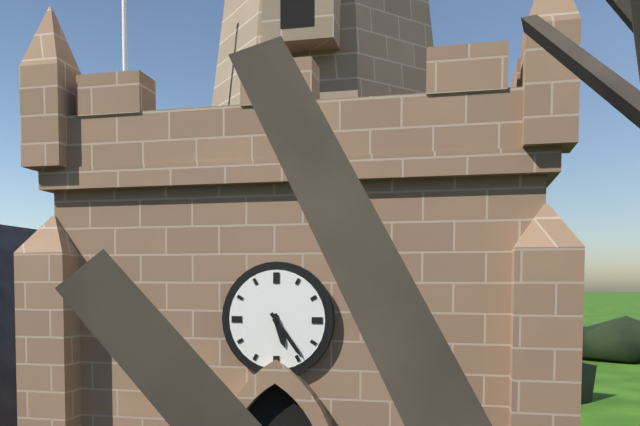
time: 5:24
